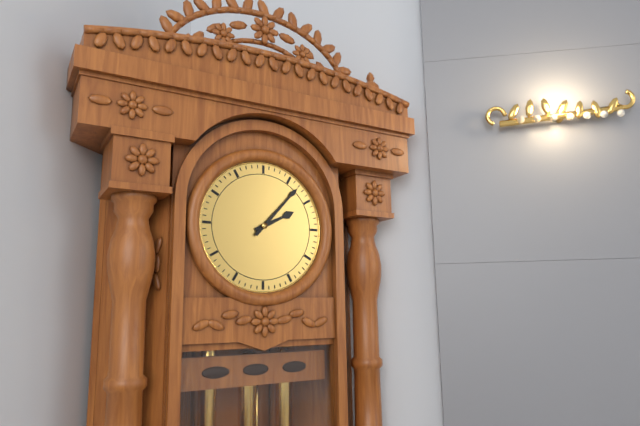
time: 2:07
